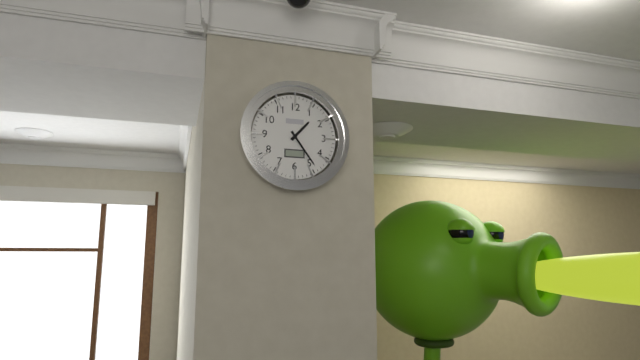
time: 1:24
